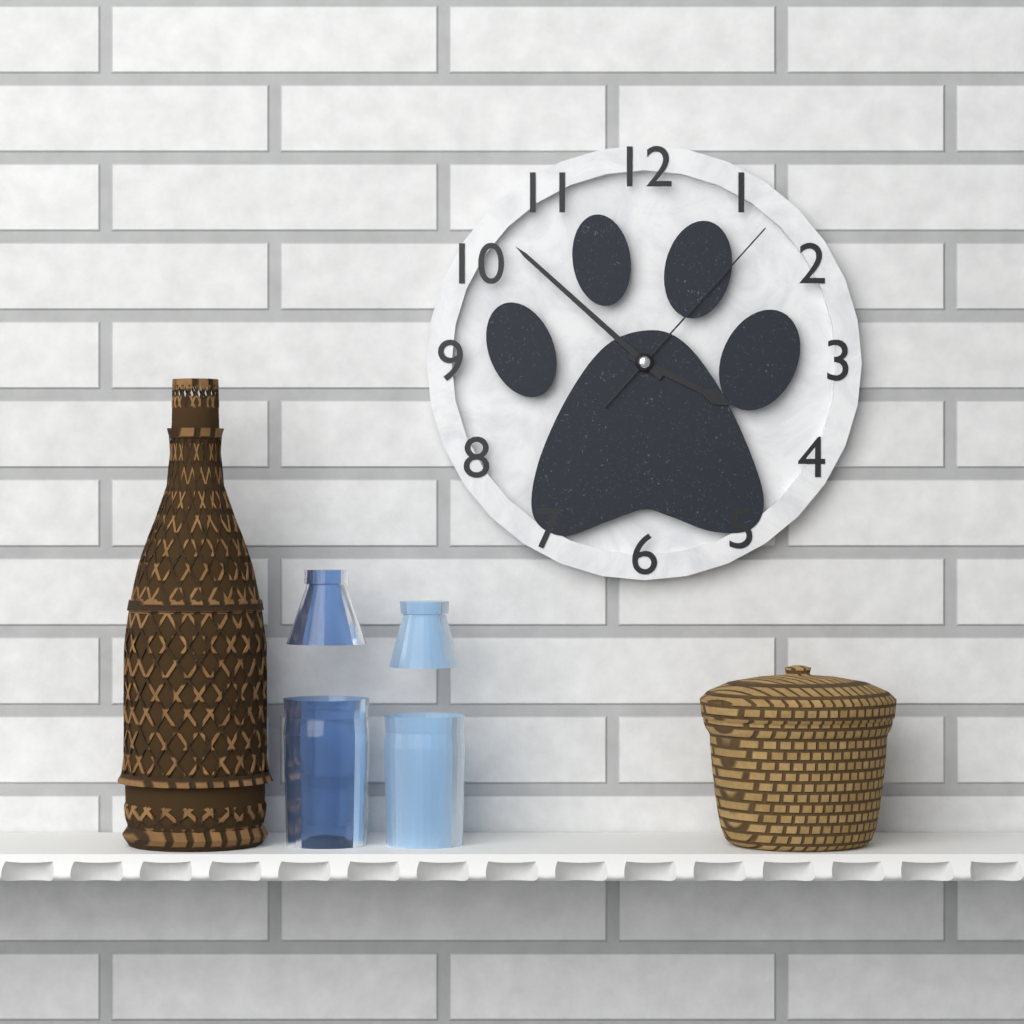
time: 3:52:07
